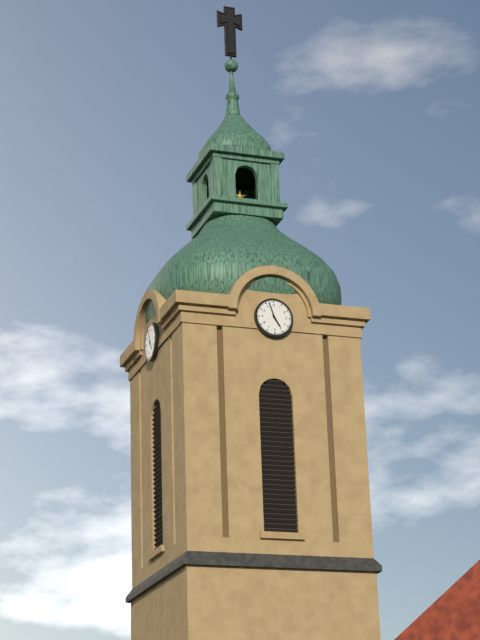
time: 4:57
